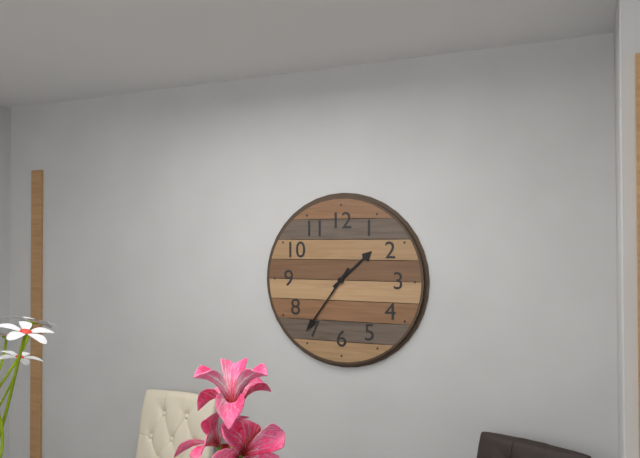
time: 1:36
